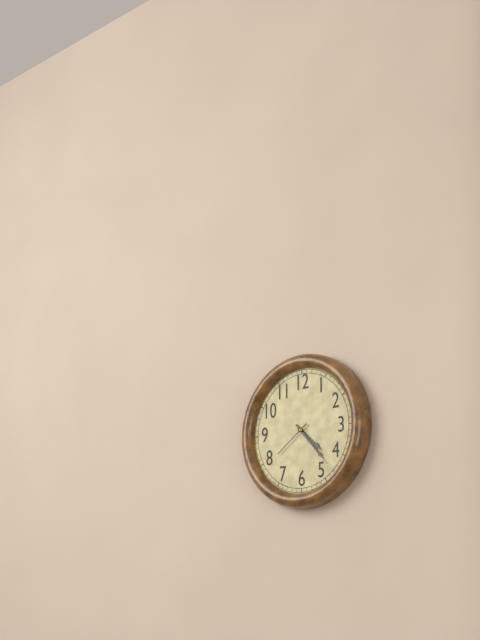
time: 4:23
